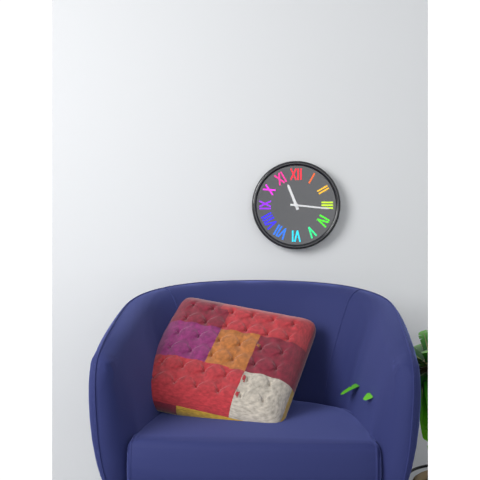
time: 11:16
